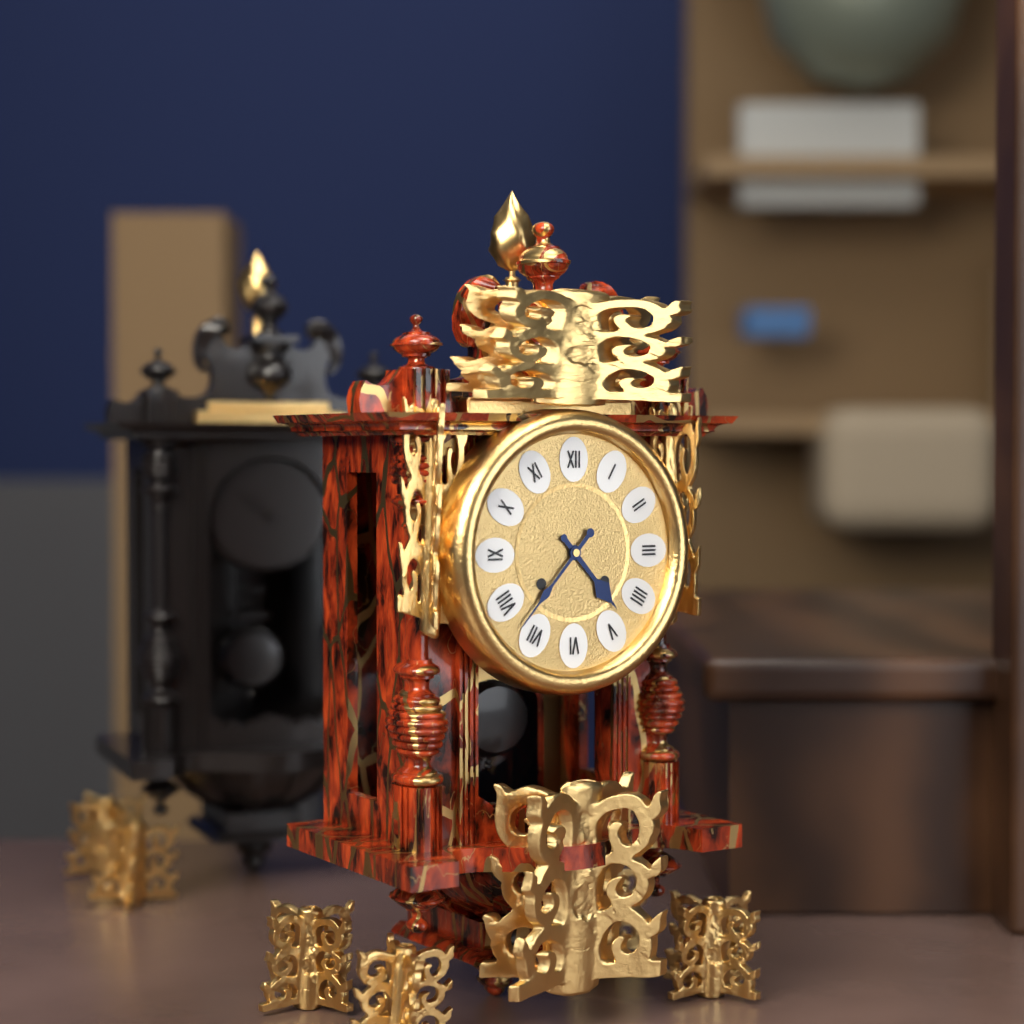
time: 4:37
